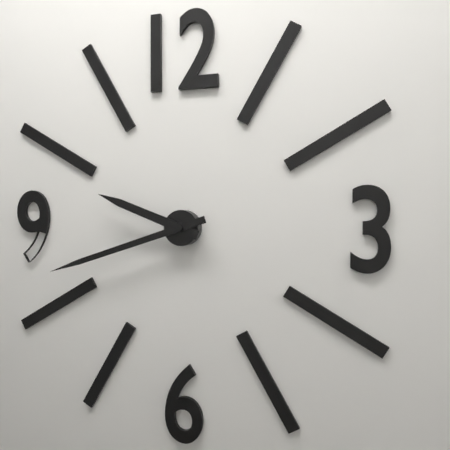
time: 9:42
